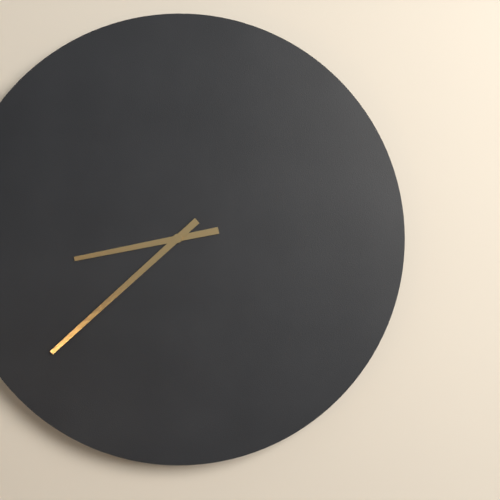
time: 8:38
